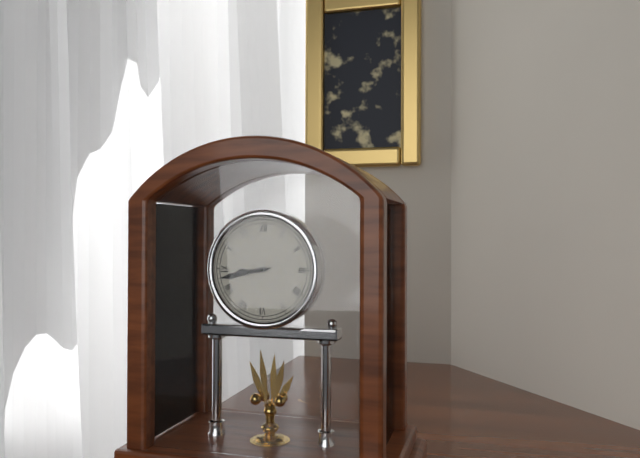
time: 8:43
